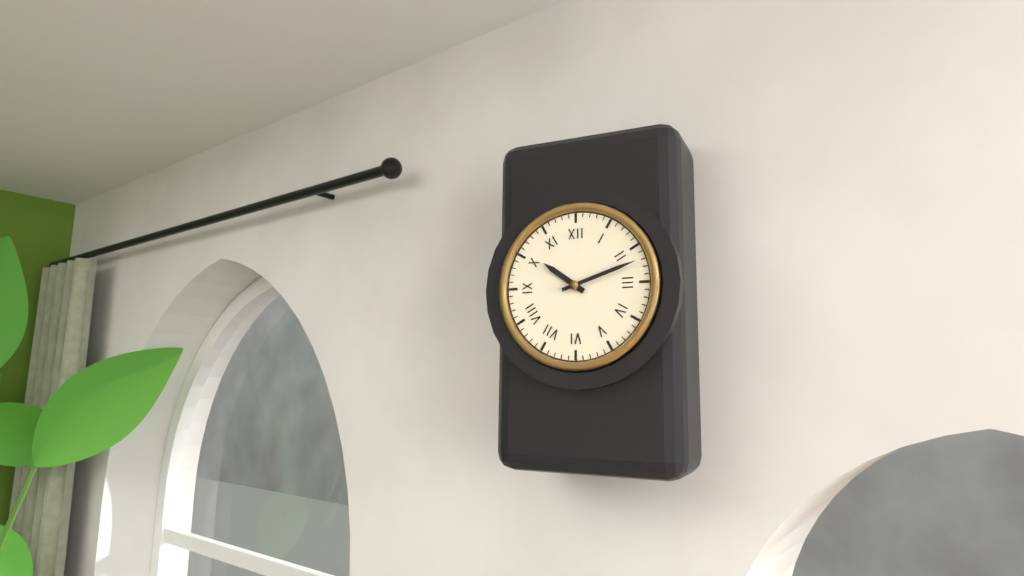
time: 10:12
